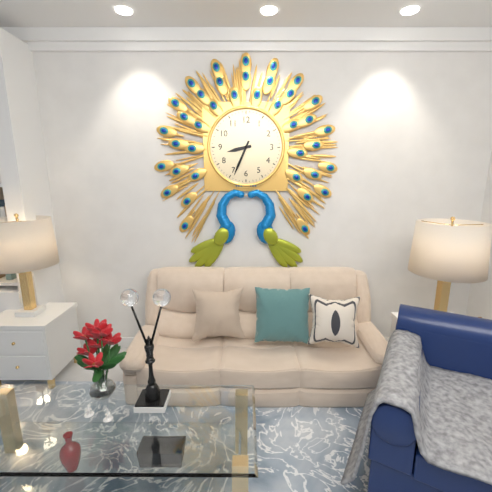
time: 8:34
